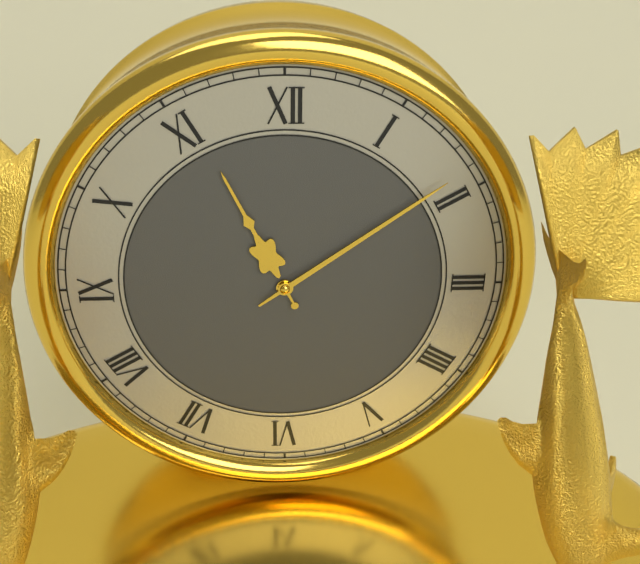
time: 11:09
